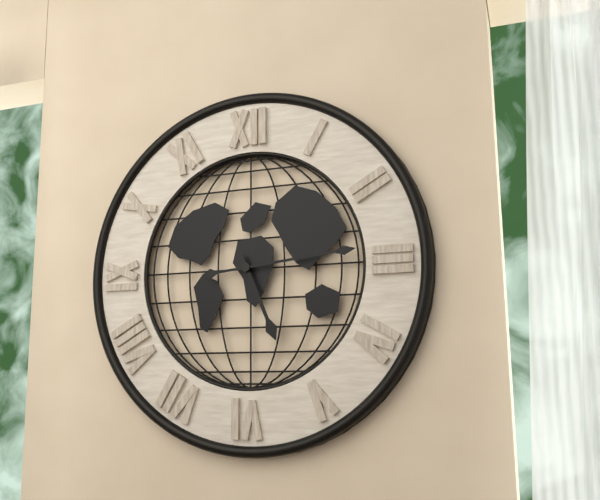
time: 5:14
